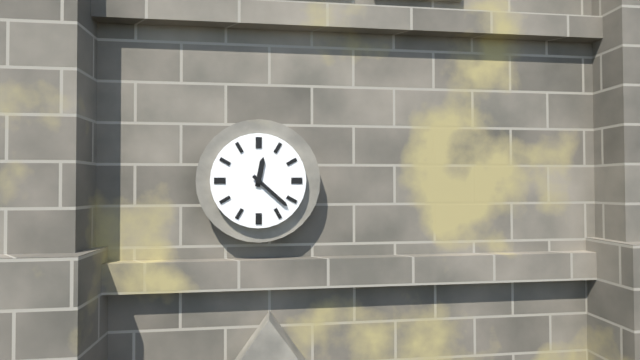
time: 12:22
